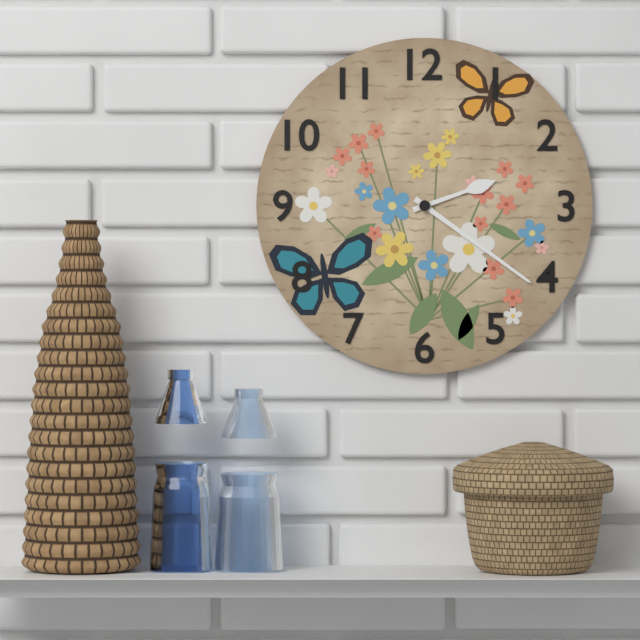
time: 2:21
